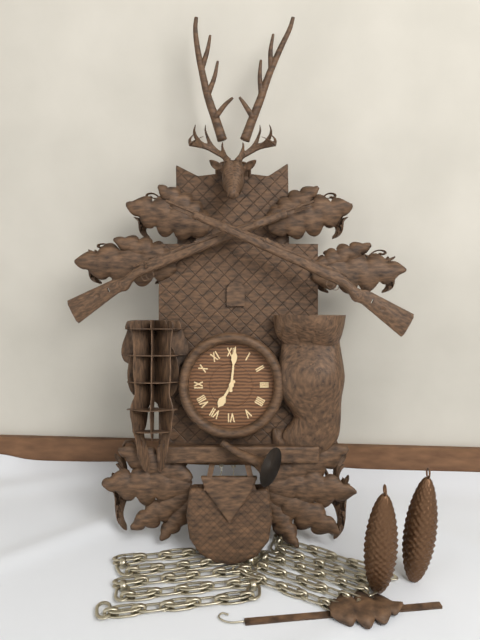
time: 7:01
